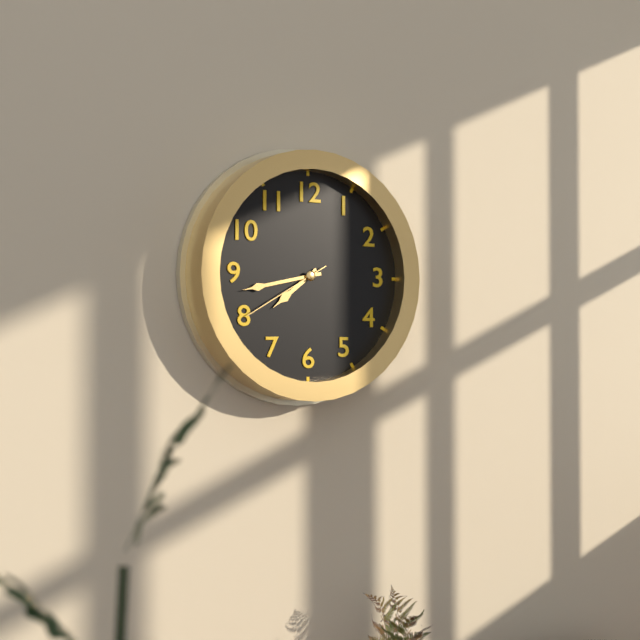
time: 7:43:40
